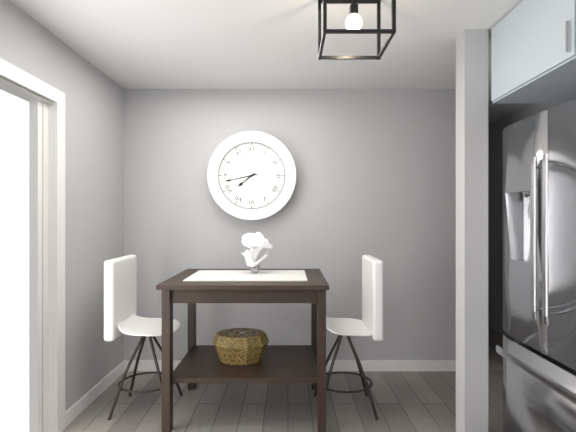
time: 7:43
